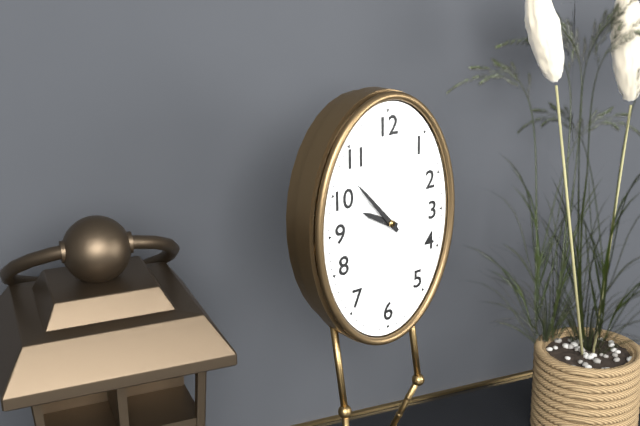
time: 9:53
